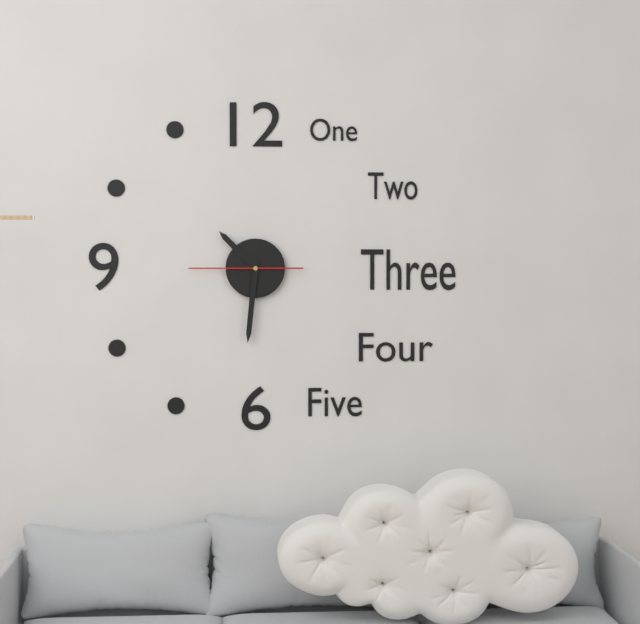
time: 10:31:45
